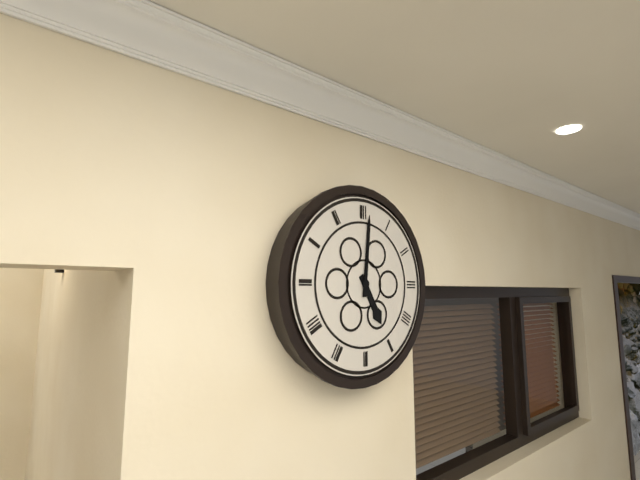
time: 5:01
